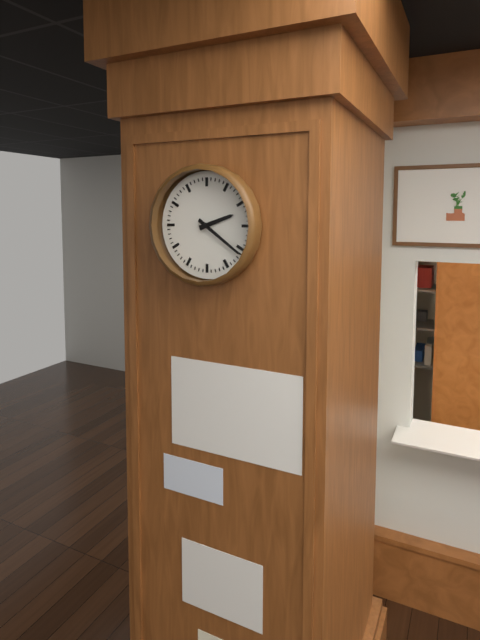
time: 2:21
